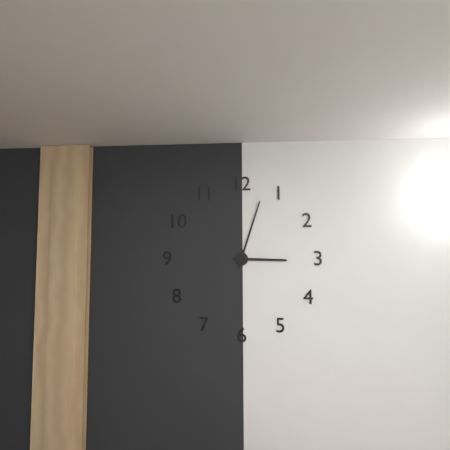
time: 3:03
